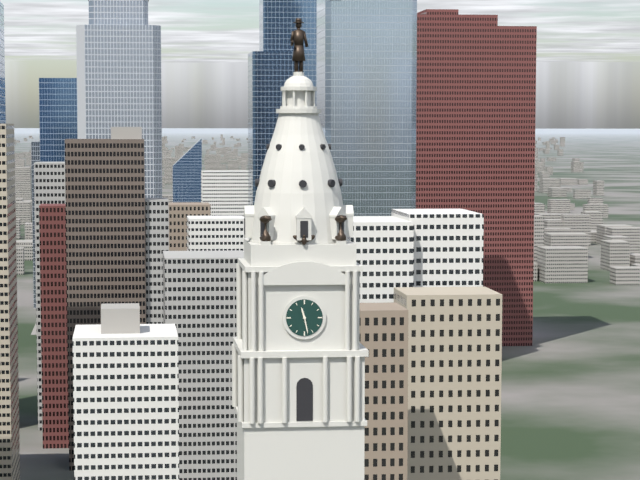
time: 11:28
